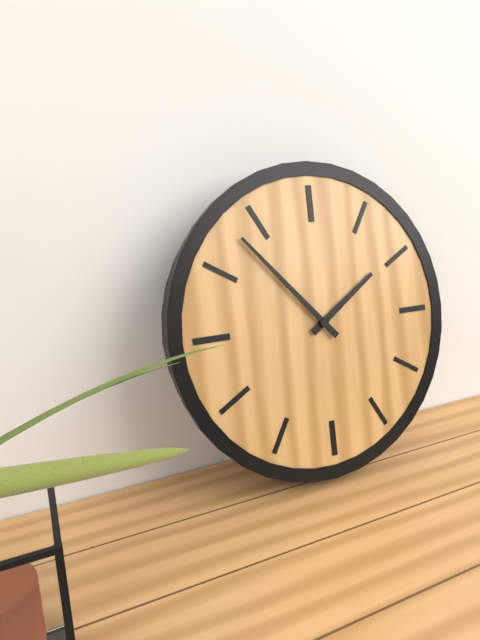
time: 1:53
